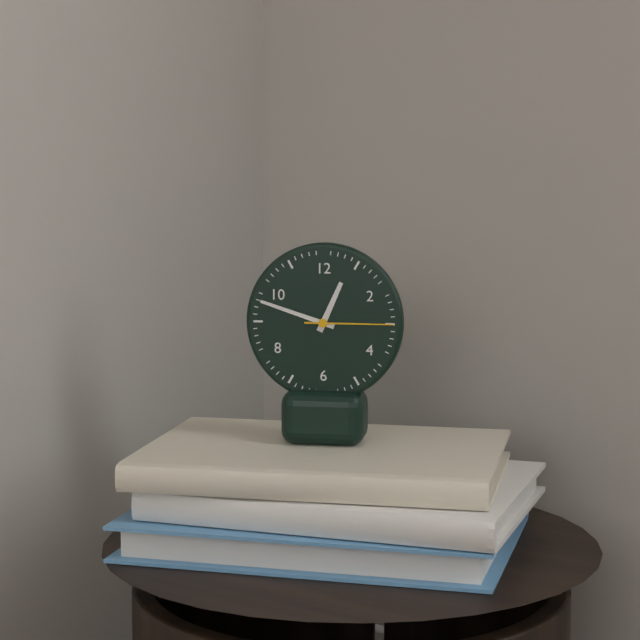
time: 12:48:15
